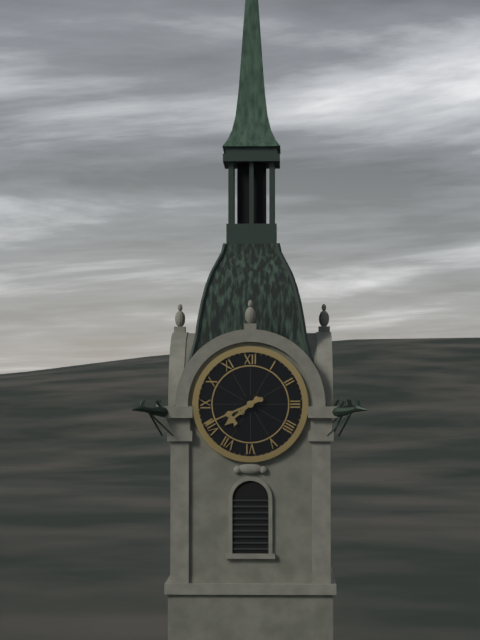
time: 7:41
